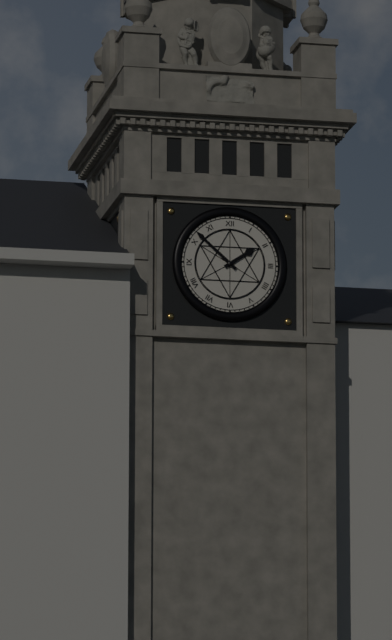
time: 1:52
